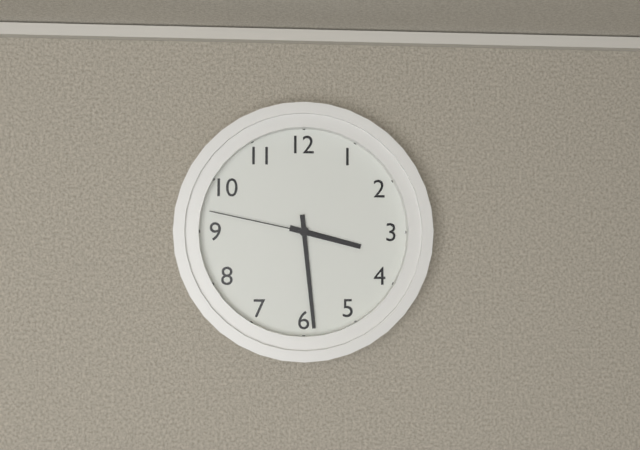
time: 3:29:47
